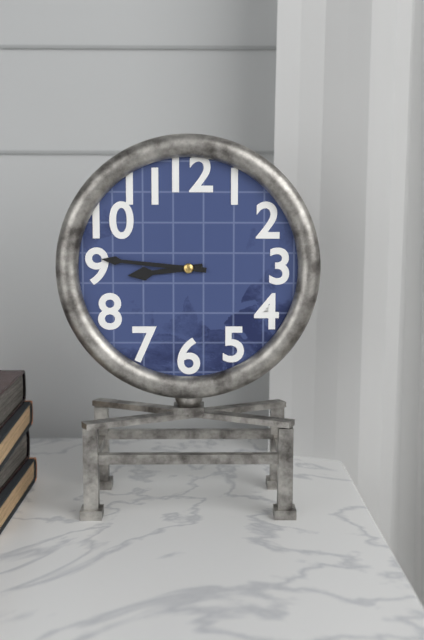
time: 8:46
